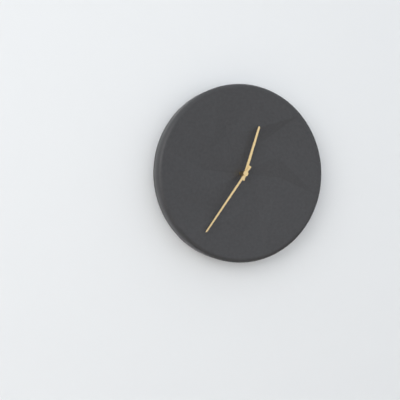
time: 12:36
